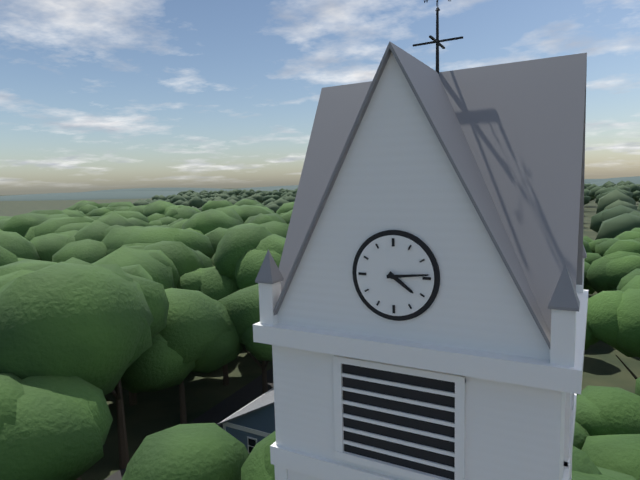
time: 4:14
